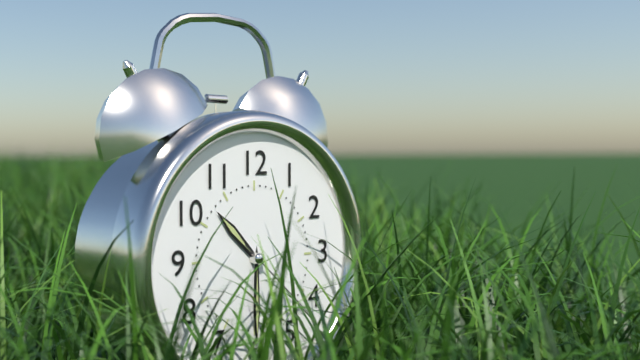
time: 10:30:22
